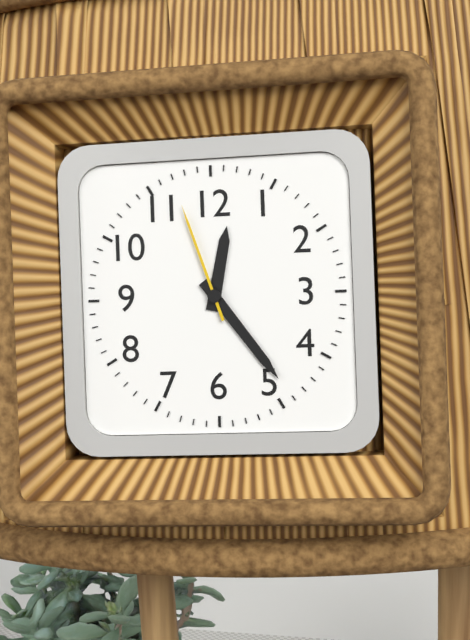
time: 12:24:57
